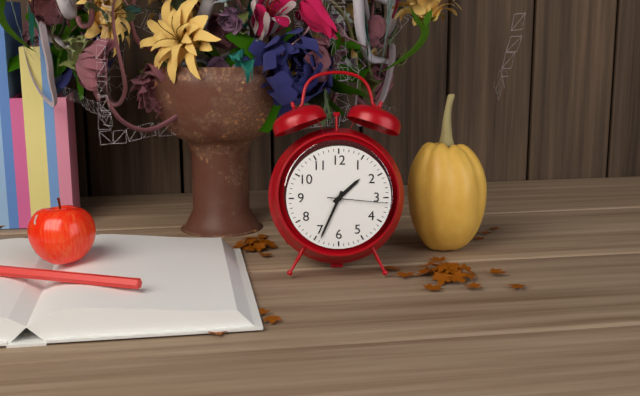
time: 1:34:16
